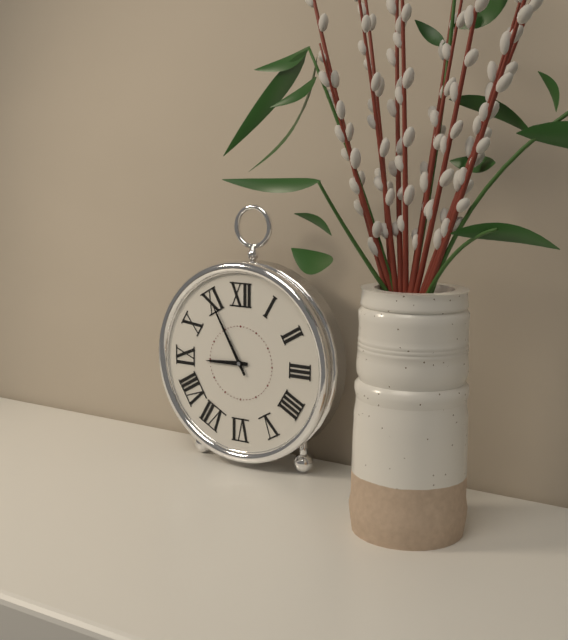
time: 8:55
